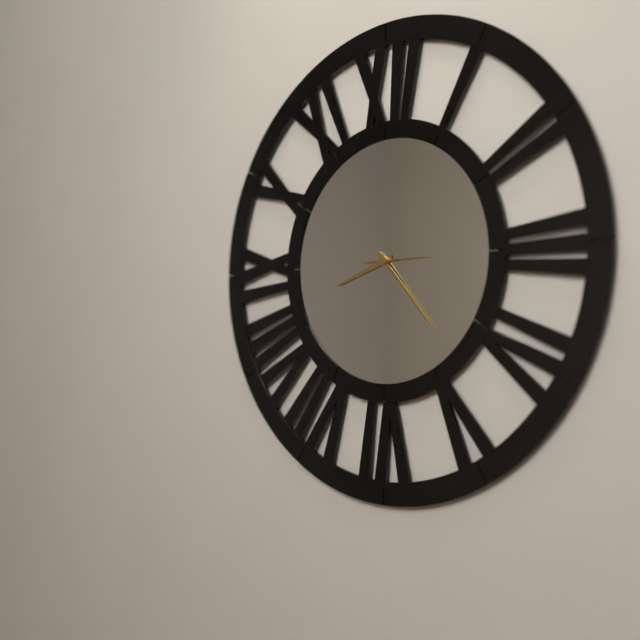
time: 8:23
